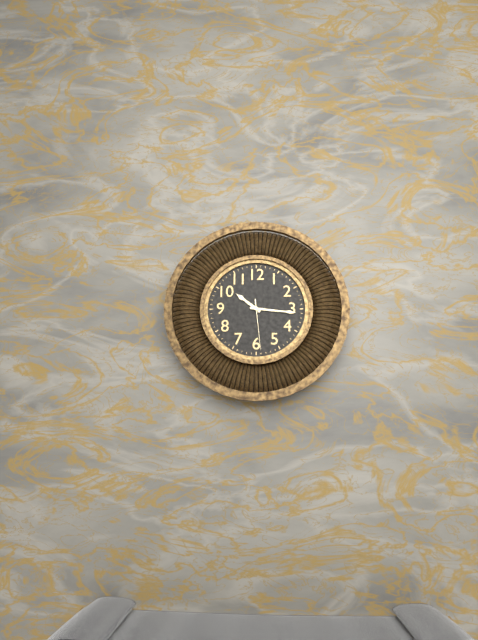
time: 10:16:29
